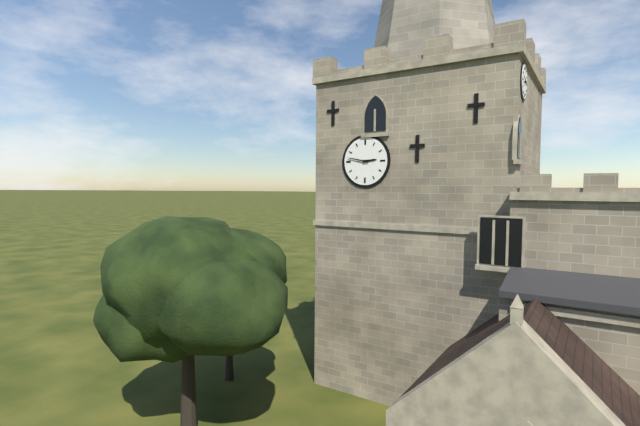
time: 2:47
